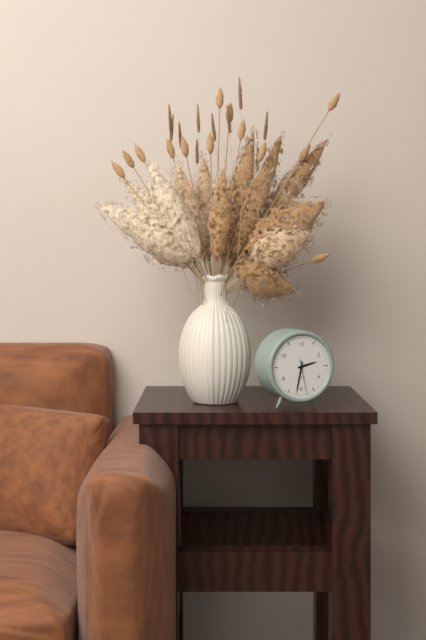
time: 2:32
